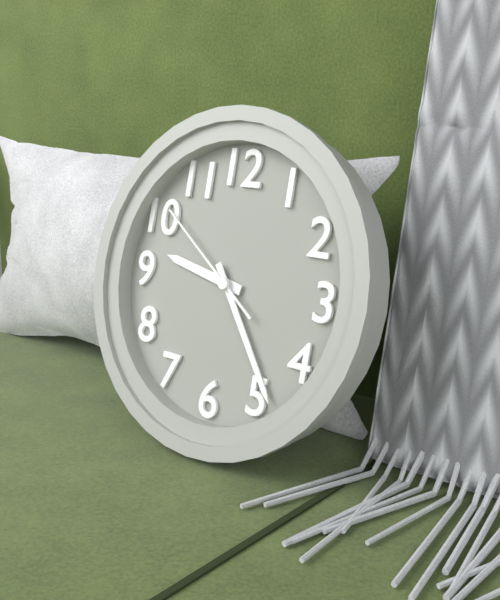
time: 9:24:51
